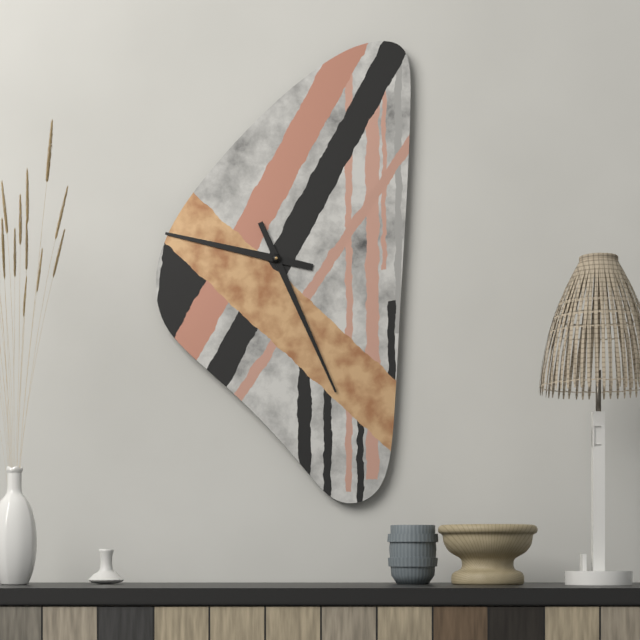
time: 9:26
